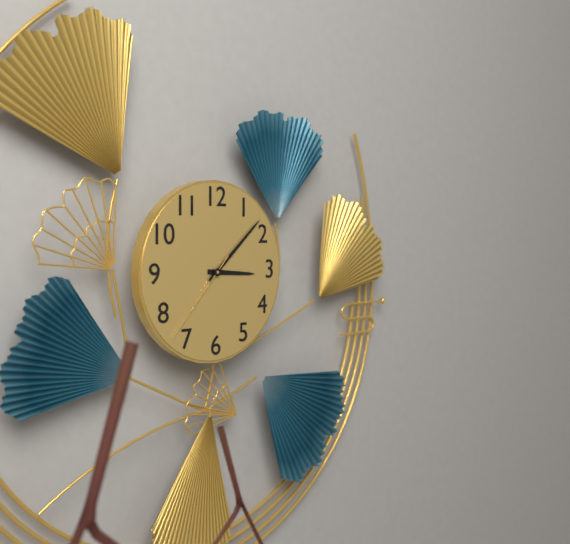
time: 3:08:37
